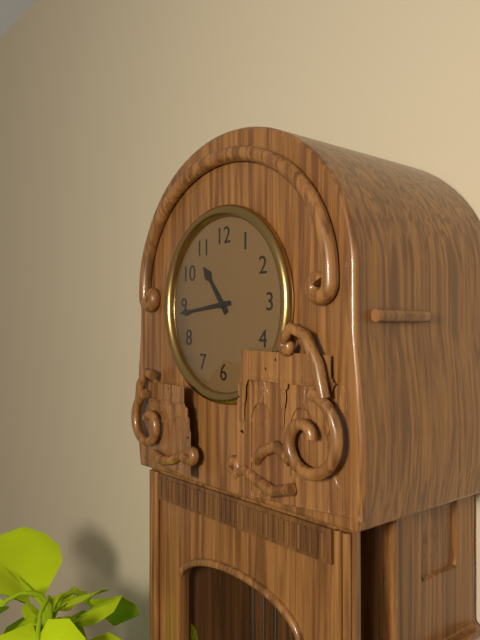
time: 10:44
